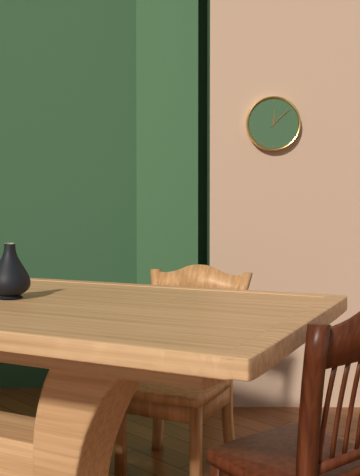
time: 12:08
